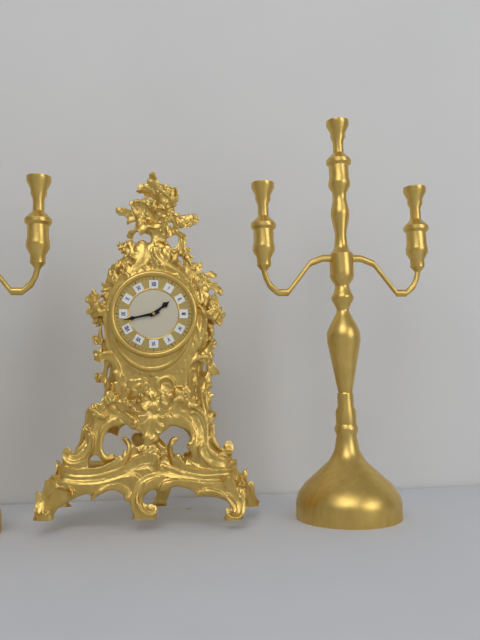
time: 1:43
